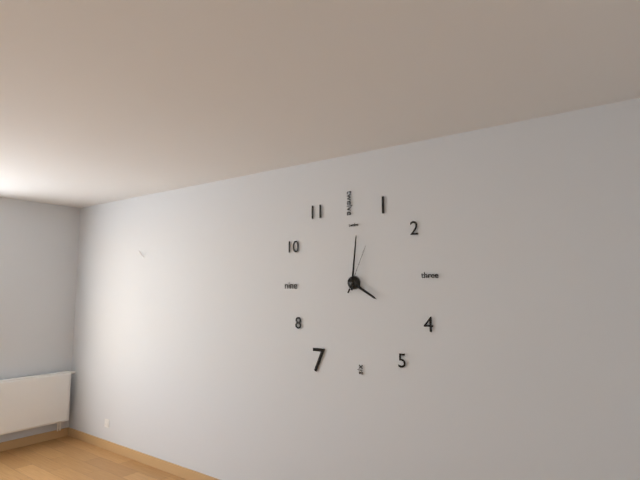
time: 4:01
